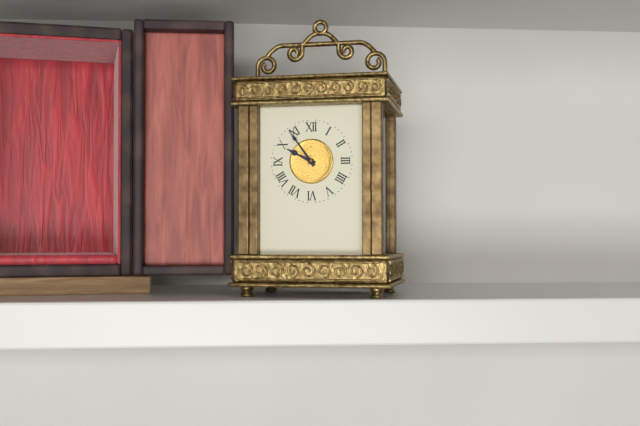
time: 9:54
